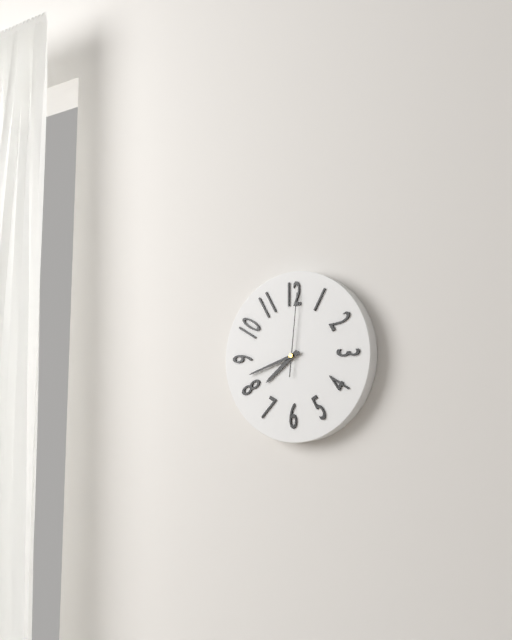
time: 7:42:01
